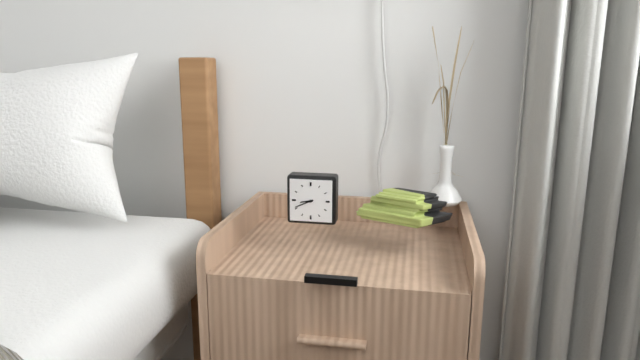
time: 8:41
